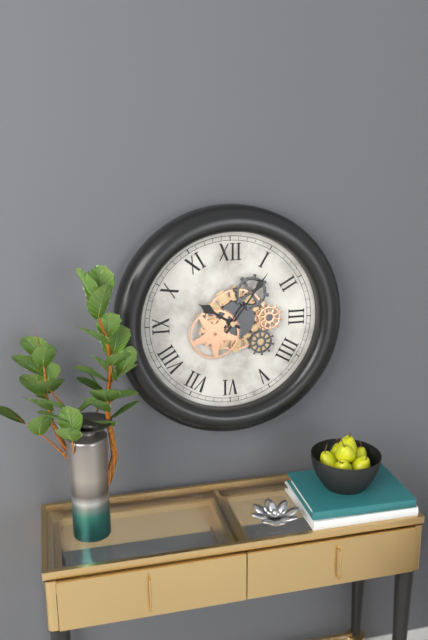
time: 10:06
